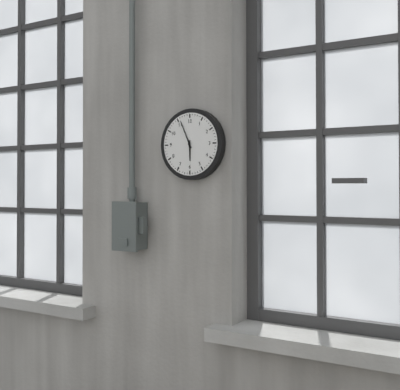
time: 5:56
